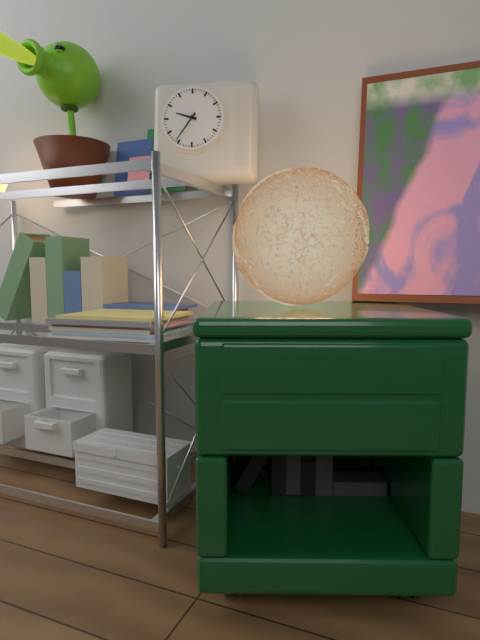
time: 9:36
